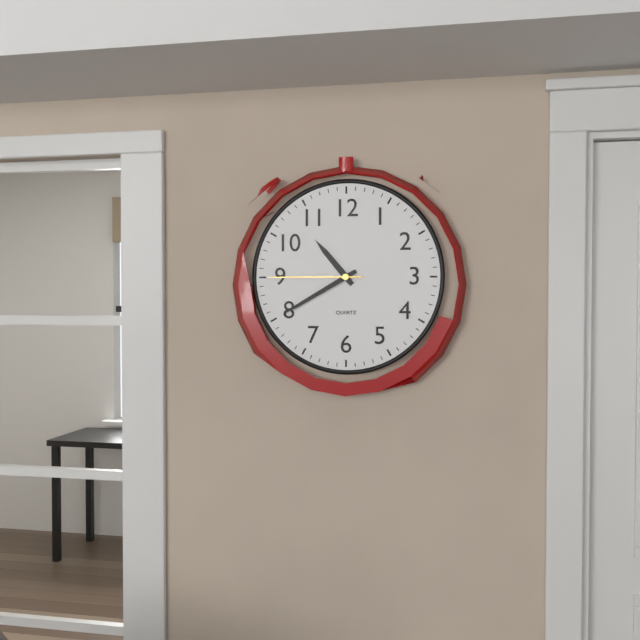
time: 10:40:45
